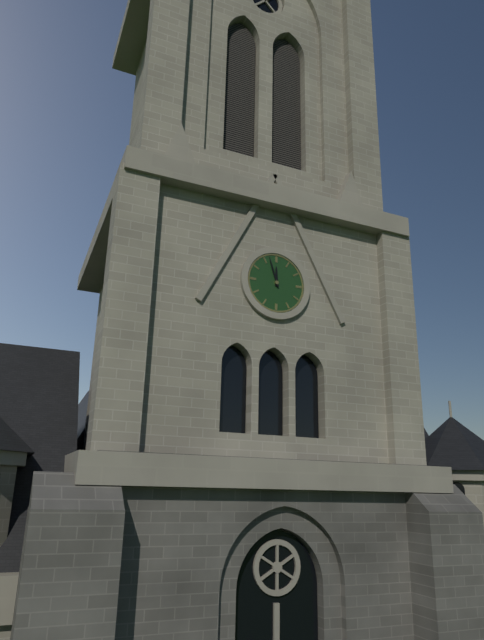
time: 11:57
